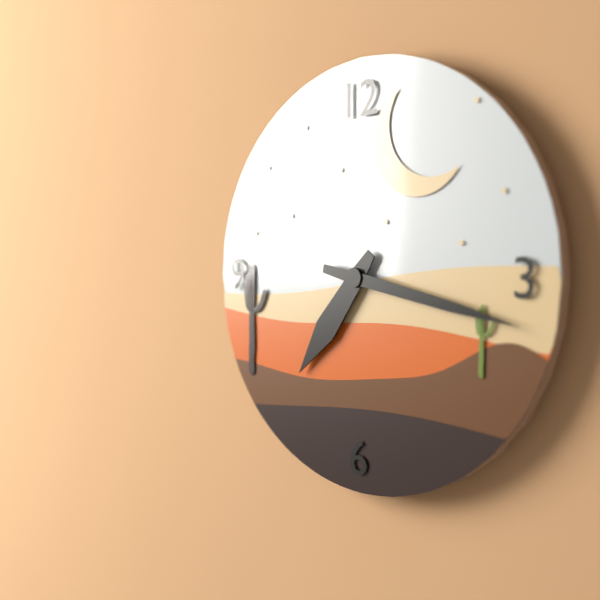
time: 7:17
